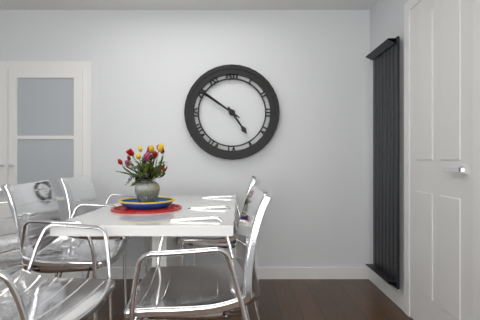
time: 4:51
